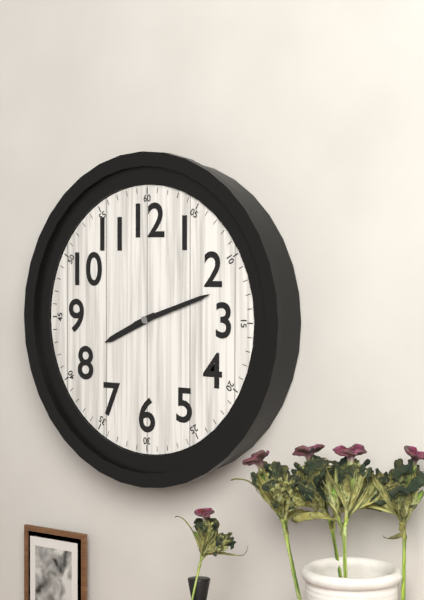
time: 8:12
